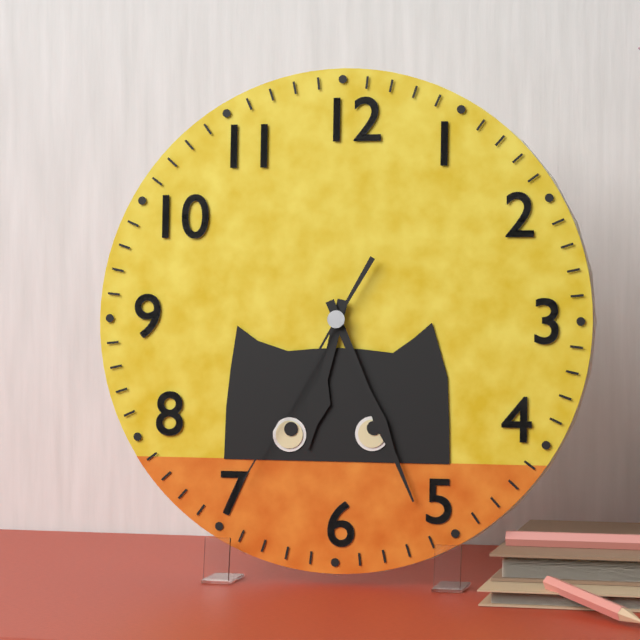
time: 6:26:35
